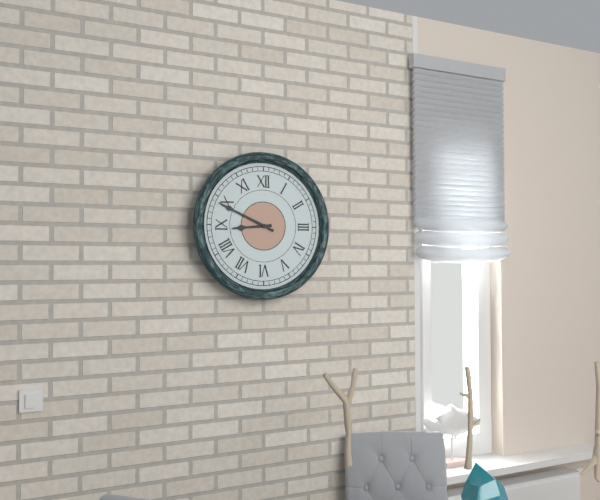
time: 8:49
